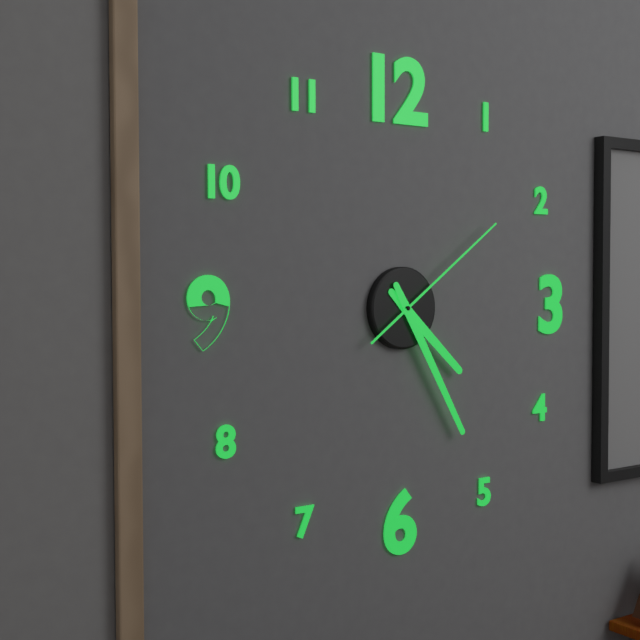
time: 4:25:09
